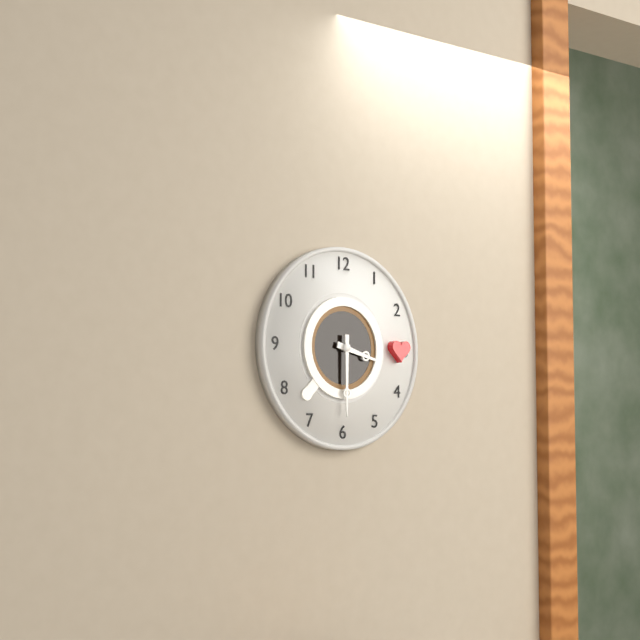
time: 3:30
